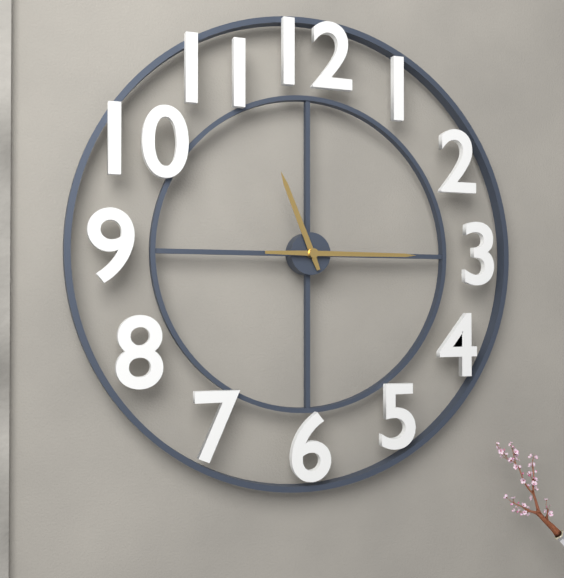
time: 11:15
